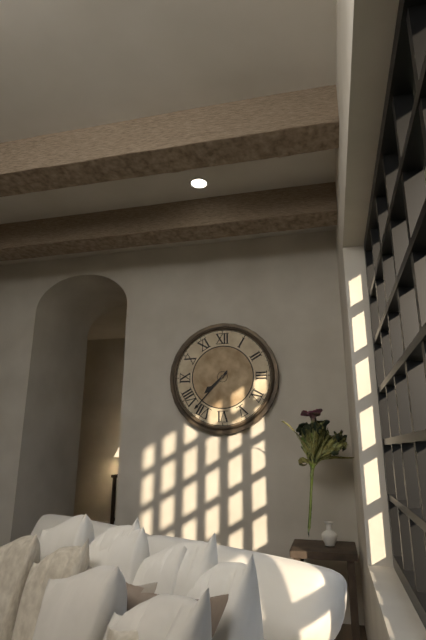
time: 7:37
